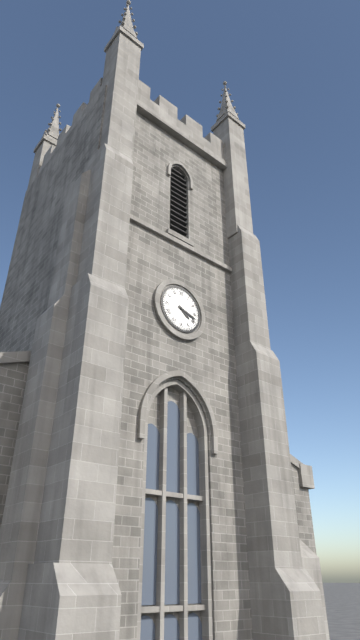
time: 4:18
